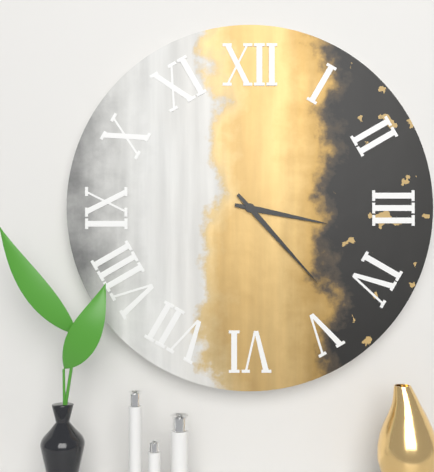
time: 3:23
